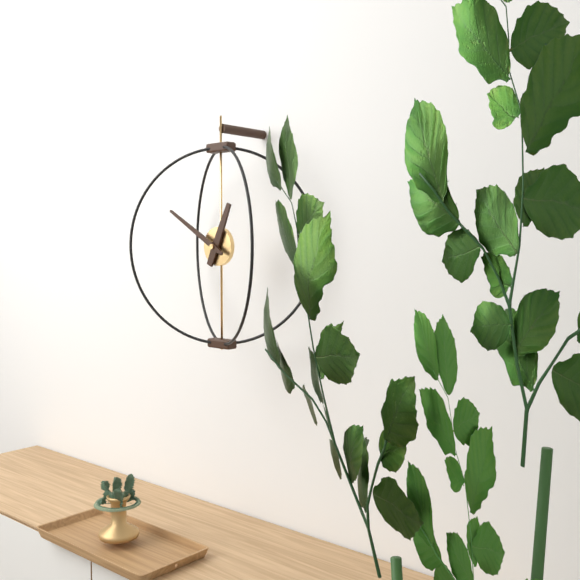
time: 12:50
